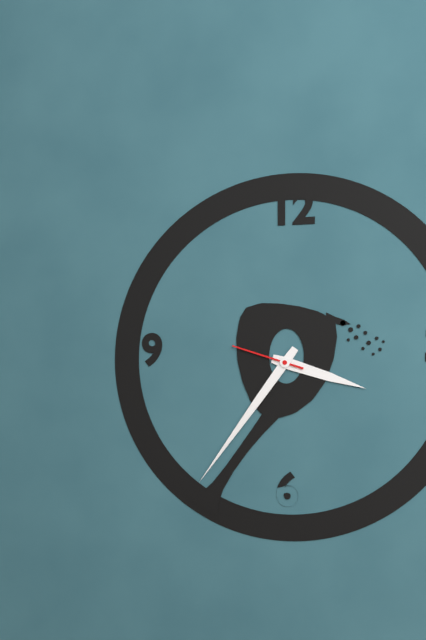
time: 3:36:48
